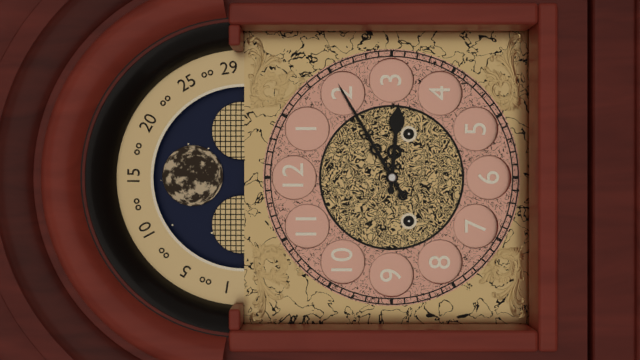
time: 3:10
